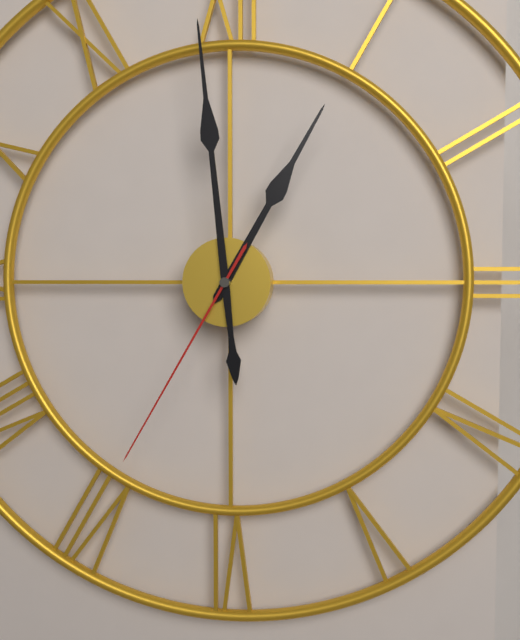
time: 12:59:35
